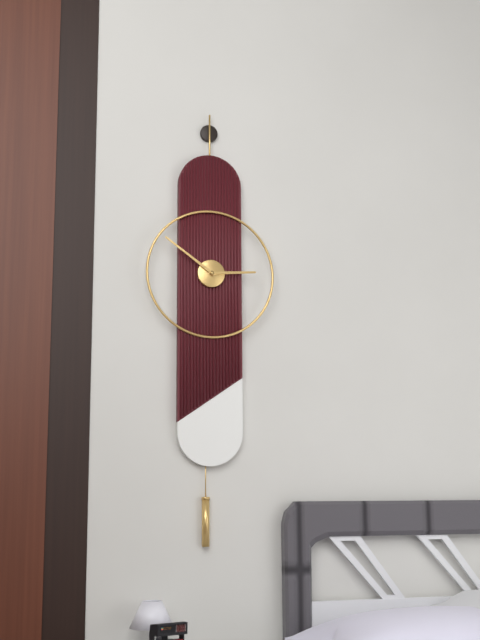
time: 2:51
